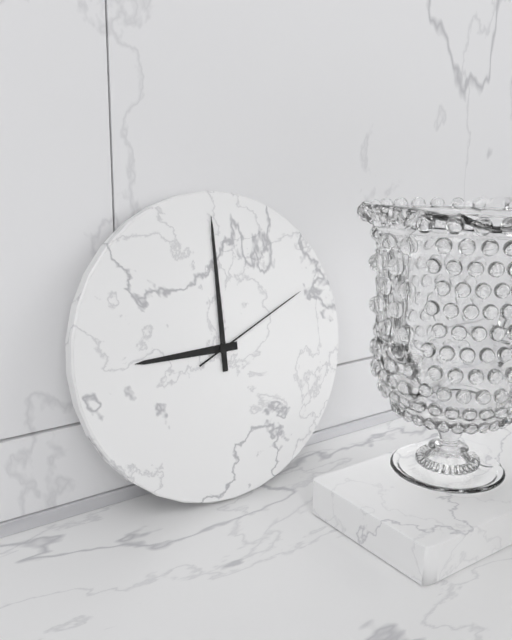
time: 9:00:11
